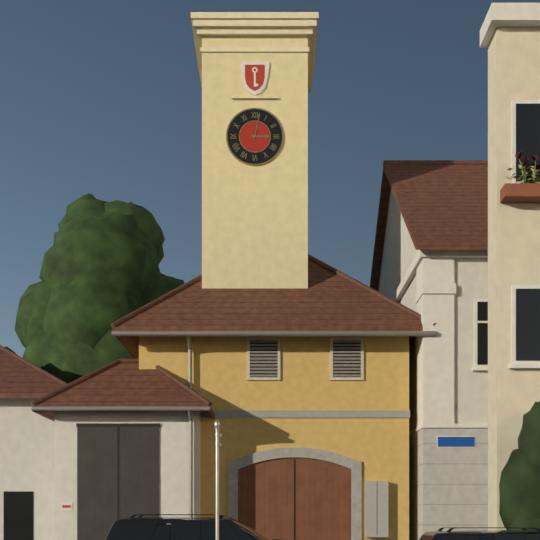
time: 3:02
